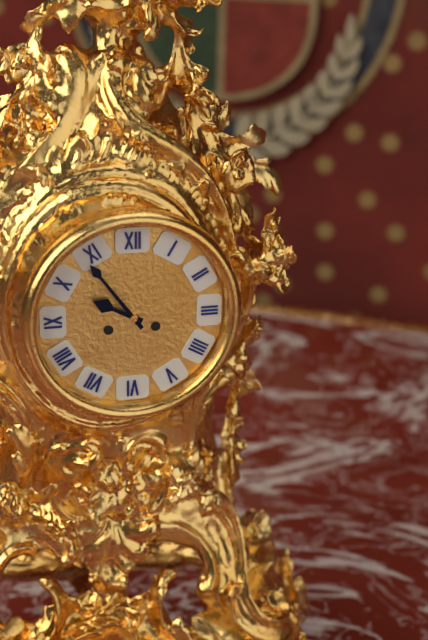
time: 9:54
